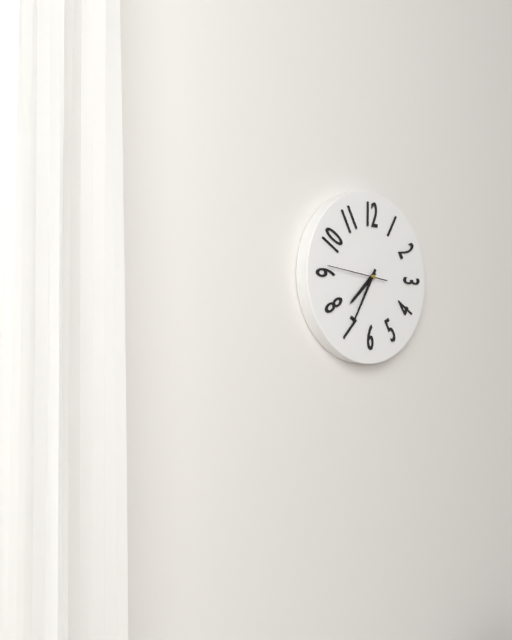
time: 7:35
